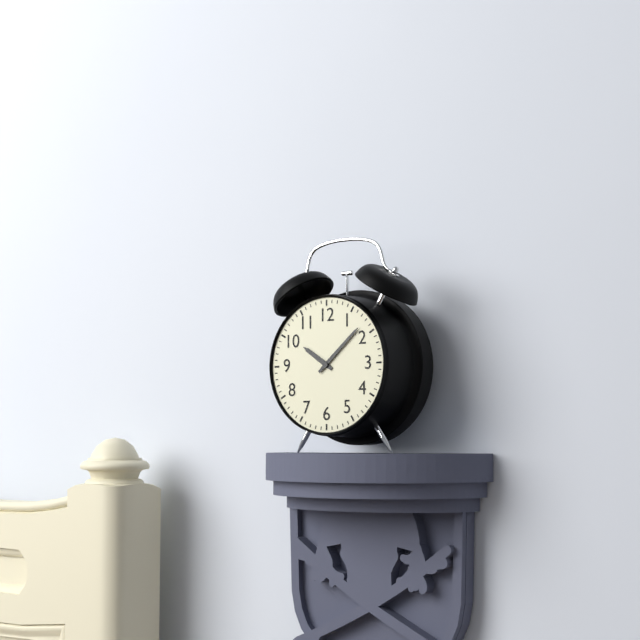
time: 10:08
